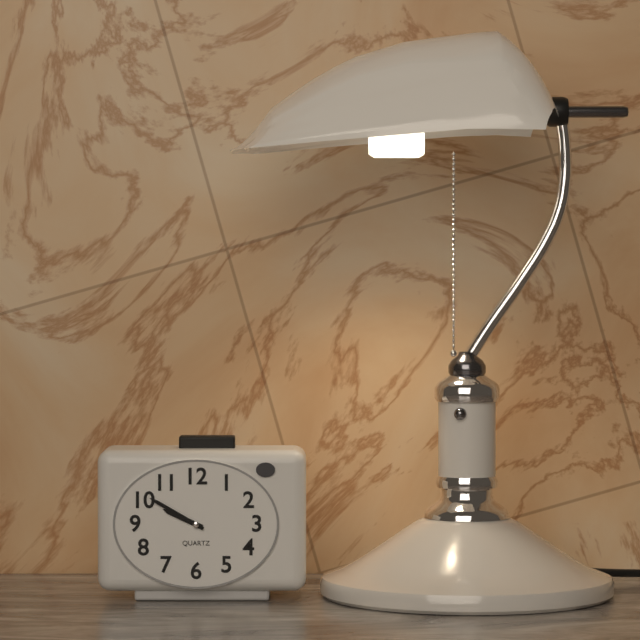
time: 9:50
